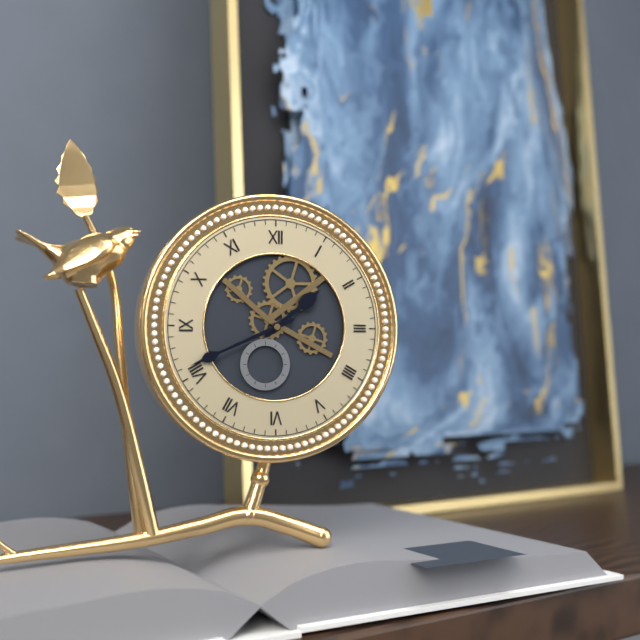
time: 1:41
